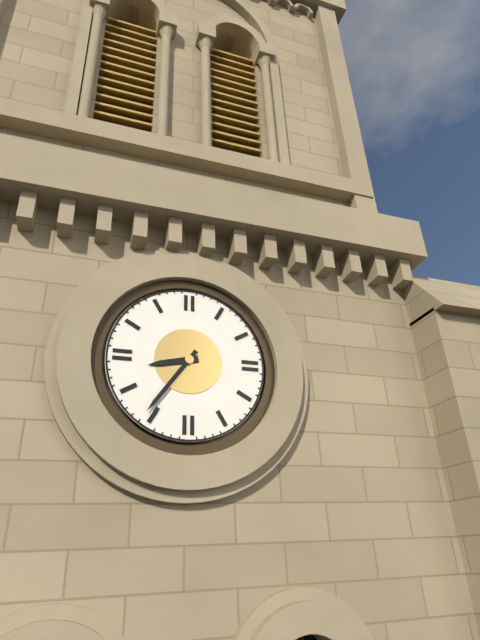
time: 8:36
